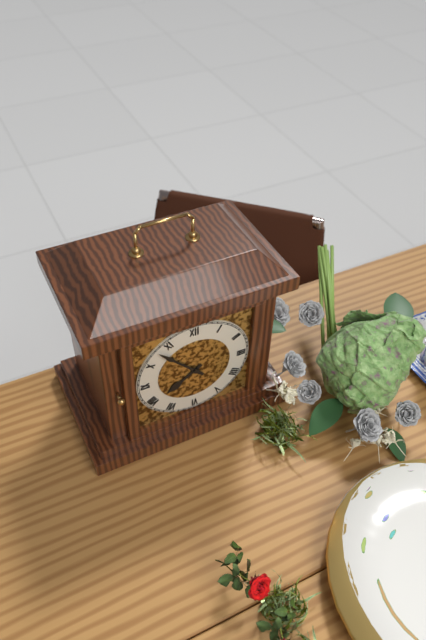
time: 7:53
